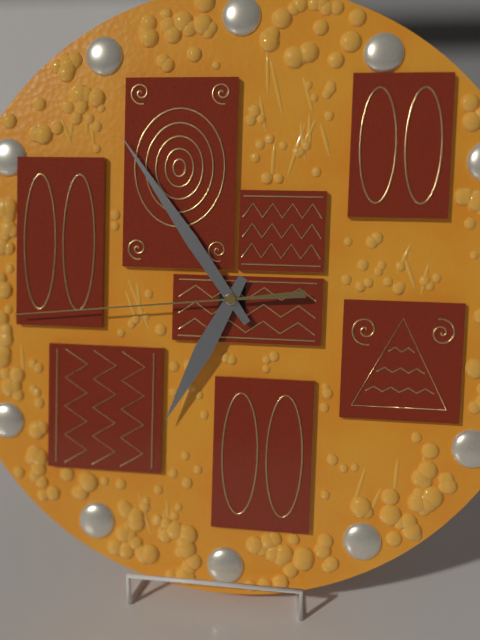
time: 6:54:44
